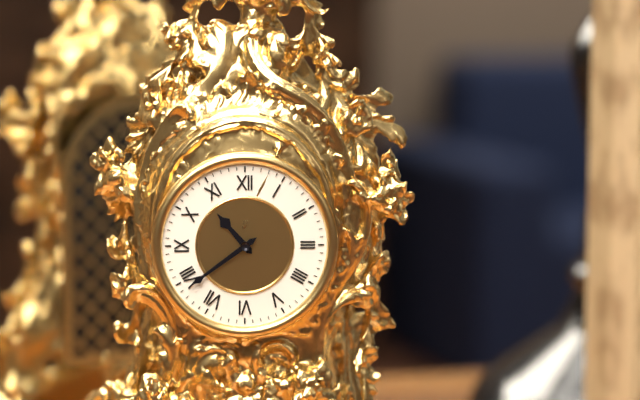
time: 10:39
